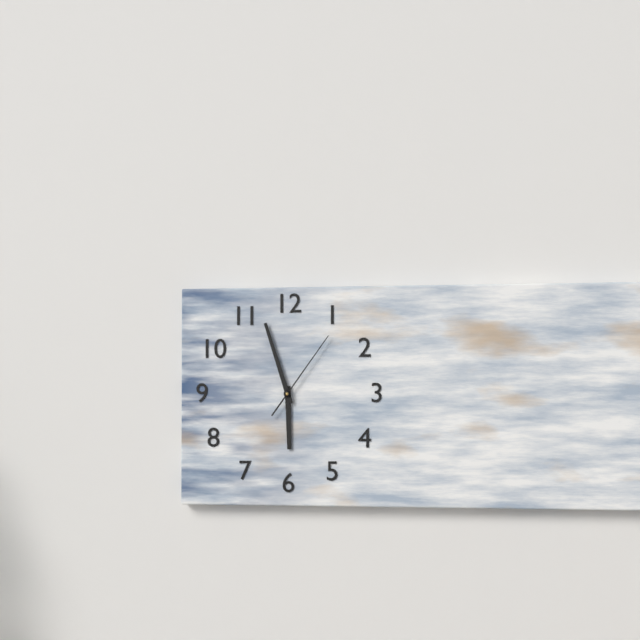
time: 5:57:06
